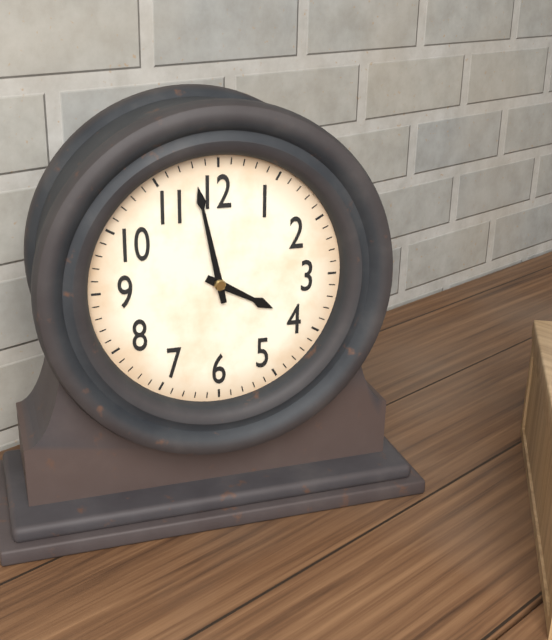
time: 3:58
